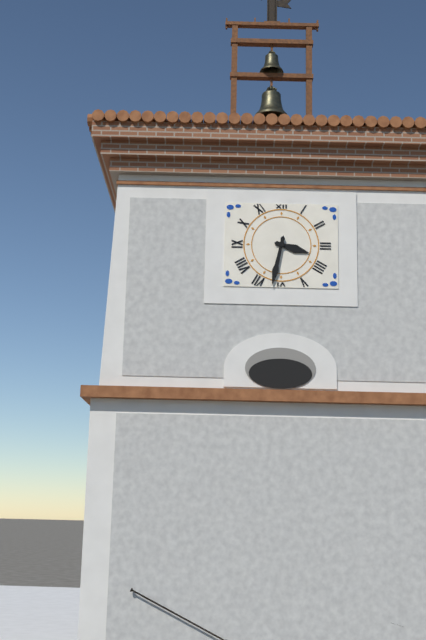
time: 3:32
